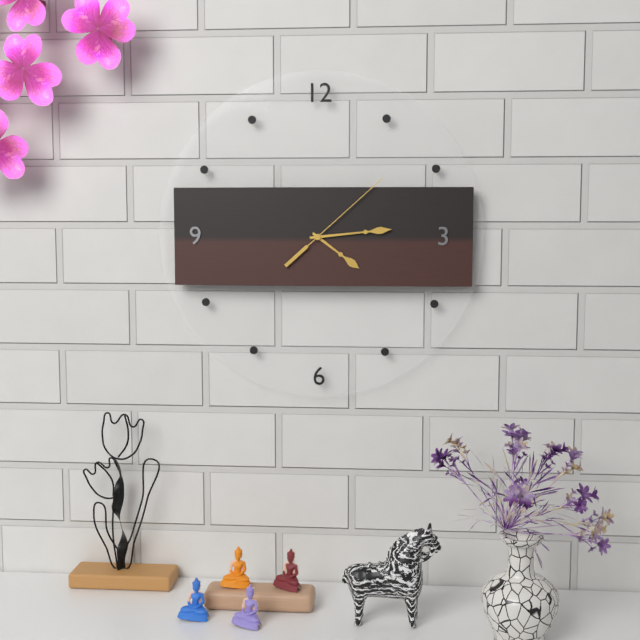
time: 4:14:08
